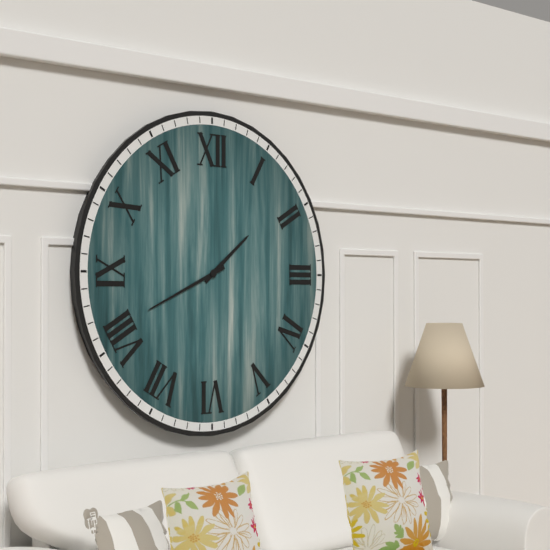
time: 1:41
